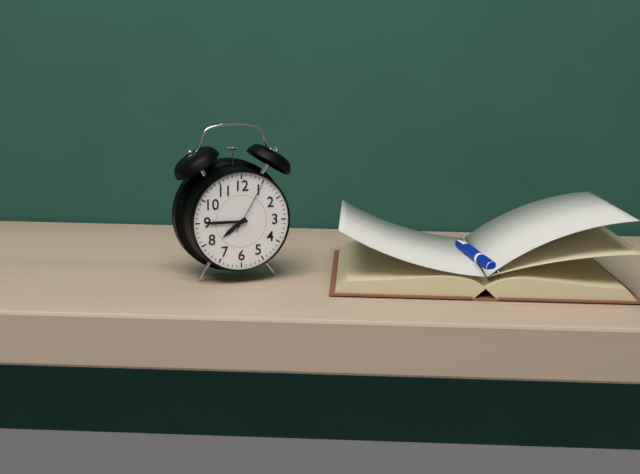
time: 7:45:05
